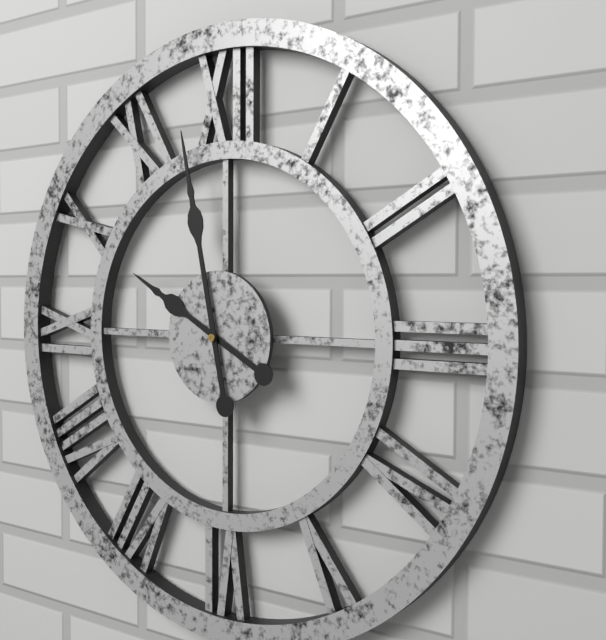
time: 9:58
